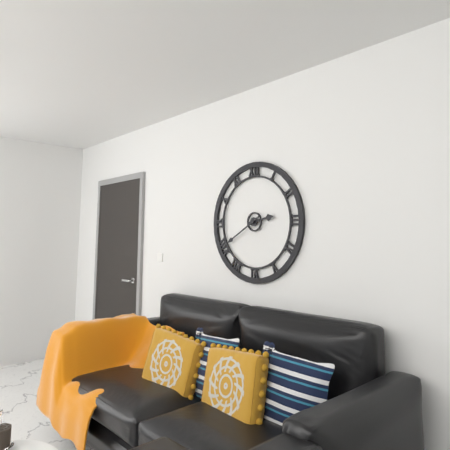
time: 2:40
